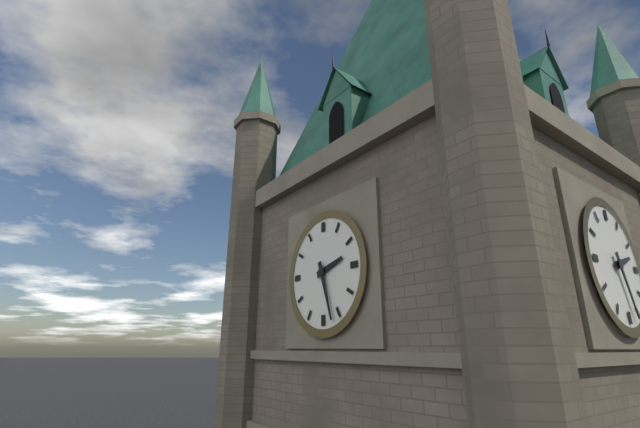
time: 2:27
